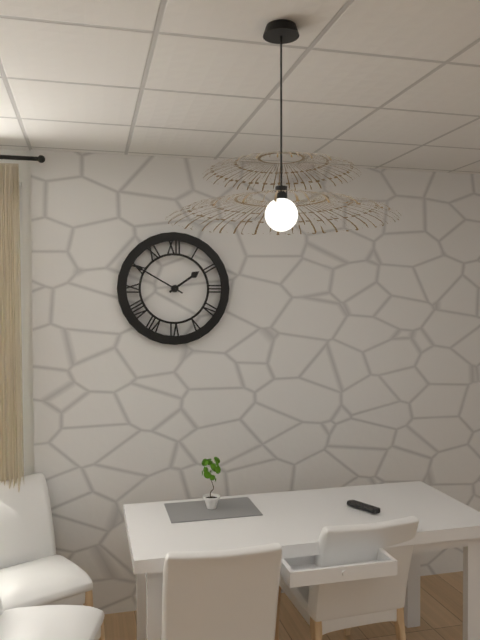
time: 1:50
